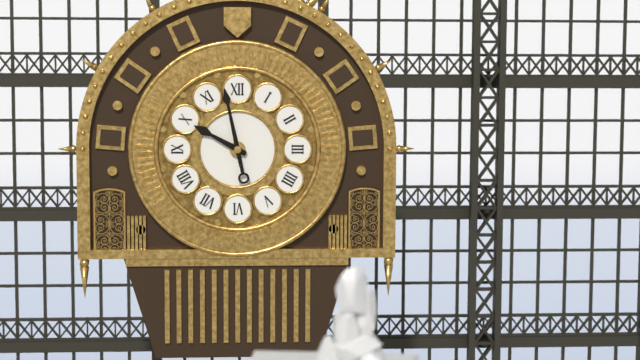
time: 9:58
